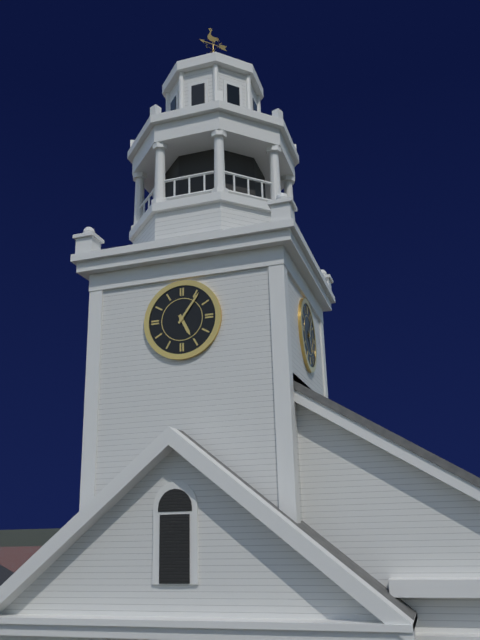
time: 5:06
